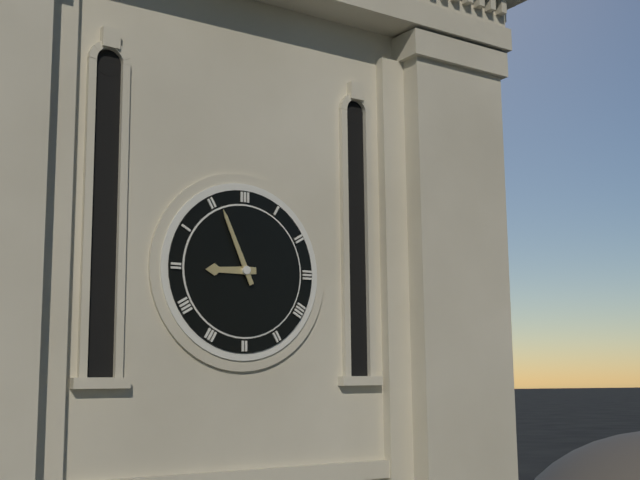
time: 8:56
